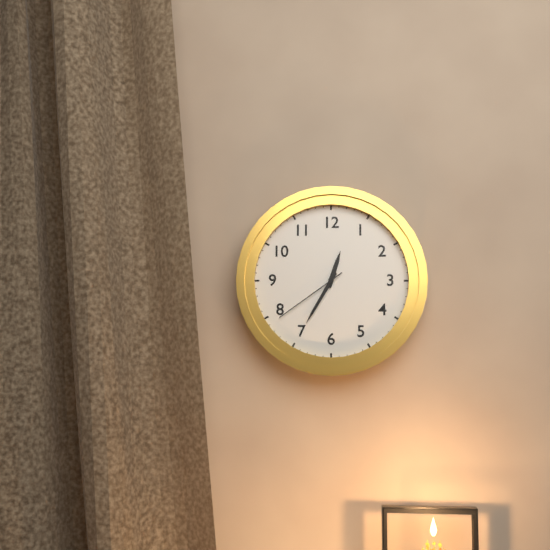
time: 12:35:39
